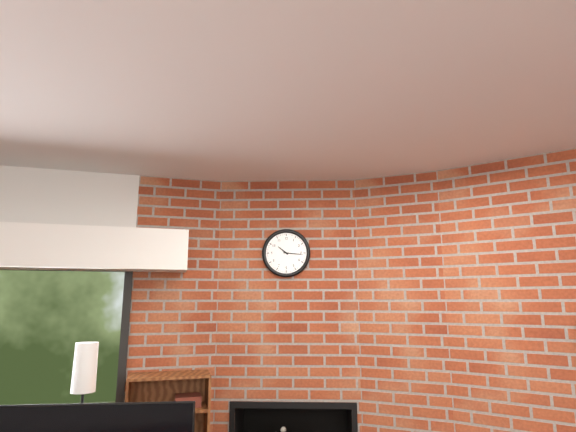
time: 10:16
